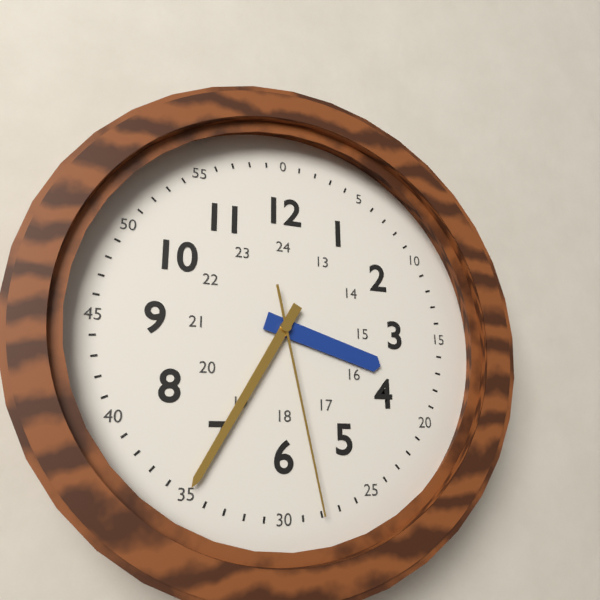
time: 3:35:28
